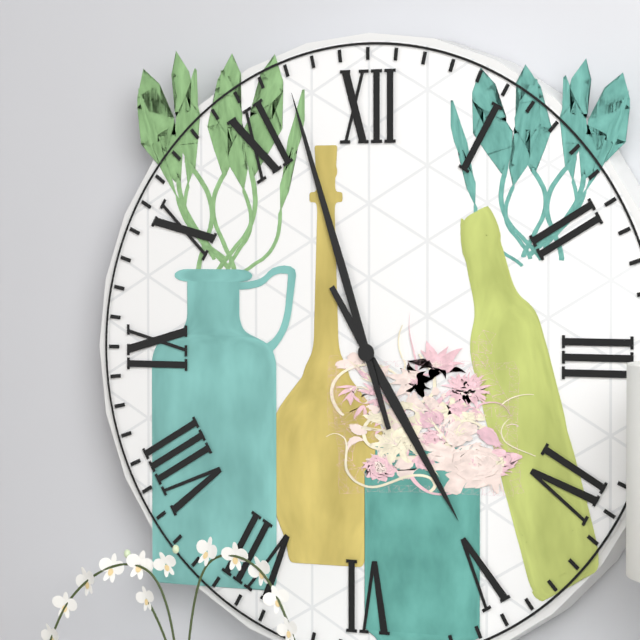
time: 4:57
